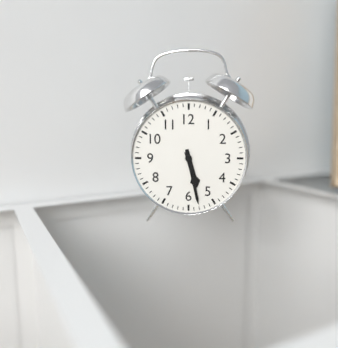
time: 5:28
